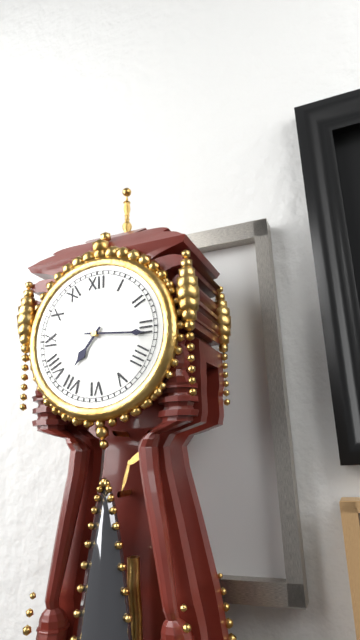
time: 7:16
